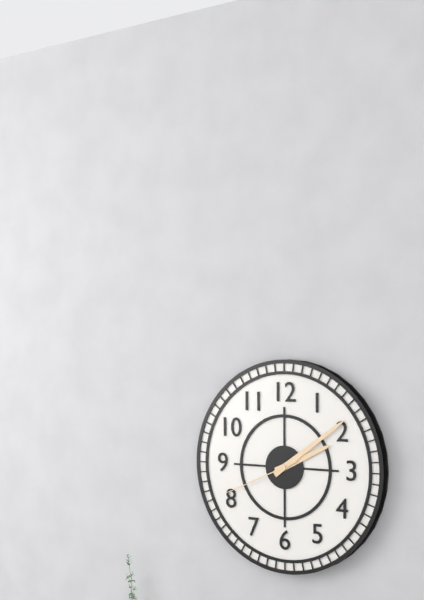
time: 2:09:41
